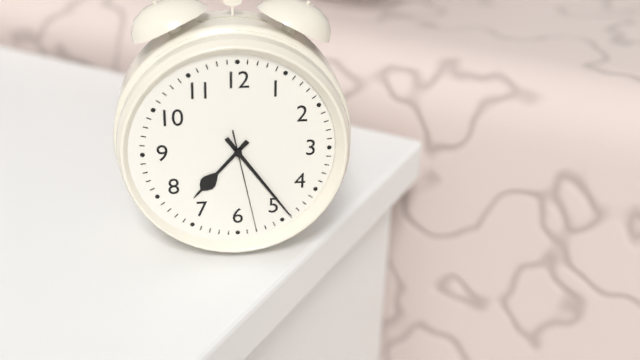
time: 7:24:28
